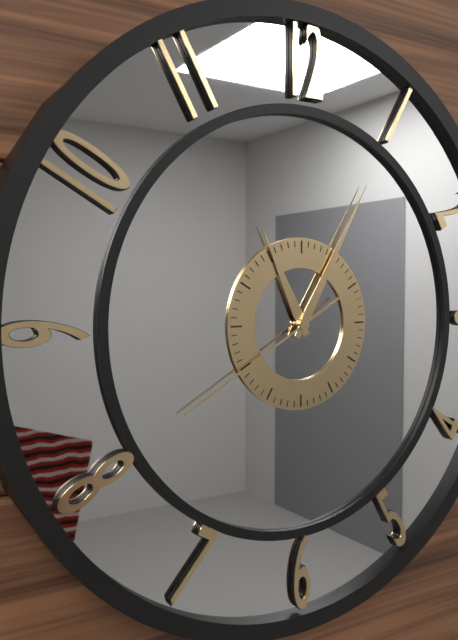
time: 11:05:40
